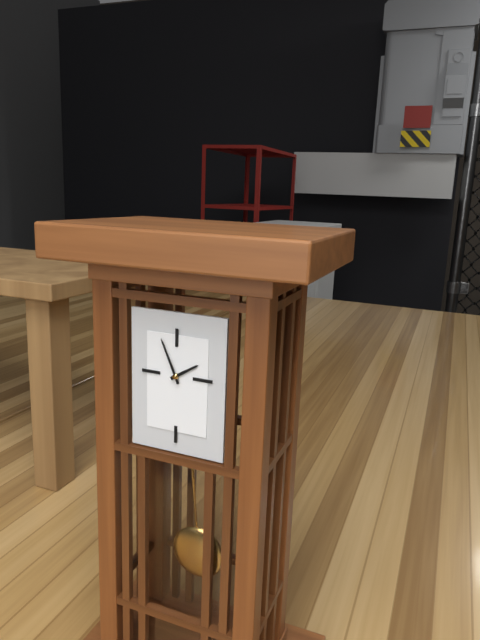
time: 1:56
